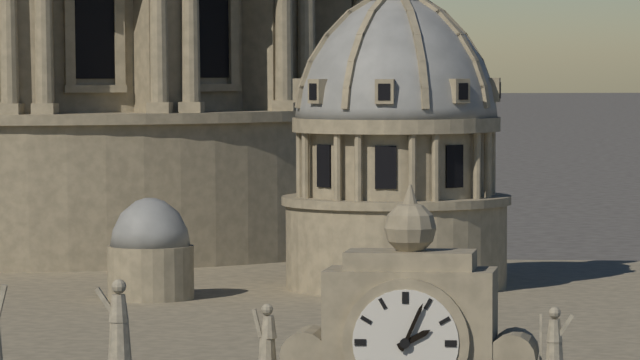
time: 2:04
